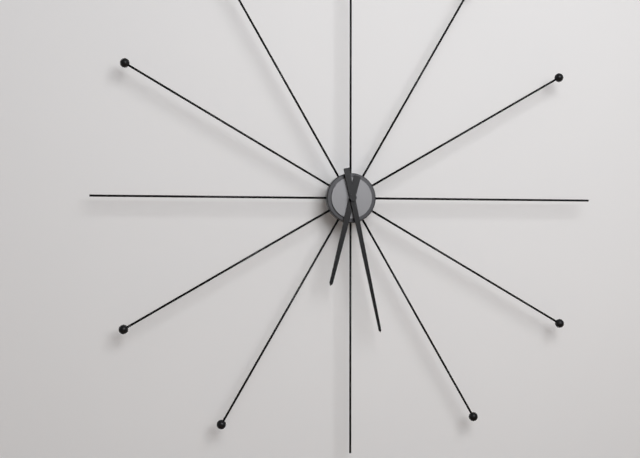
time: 6:28
